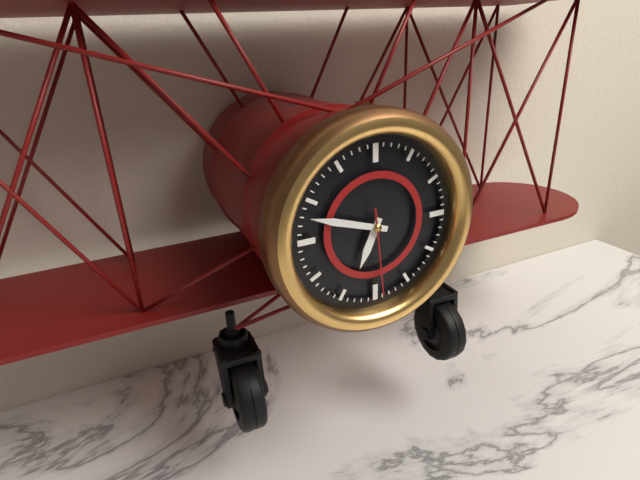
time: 6:48:29
